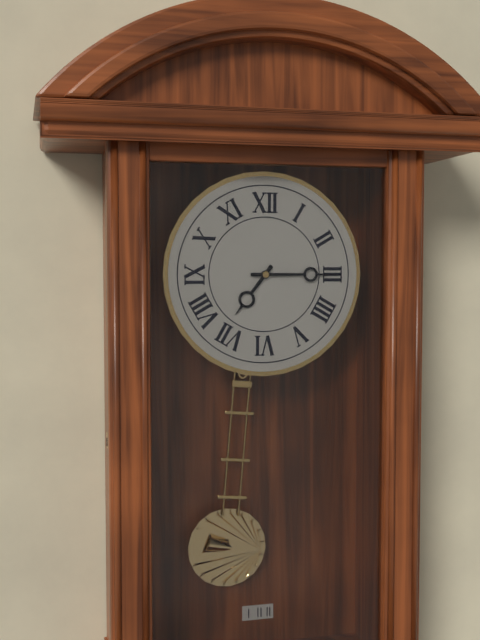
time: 7:15
